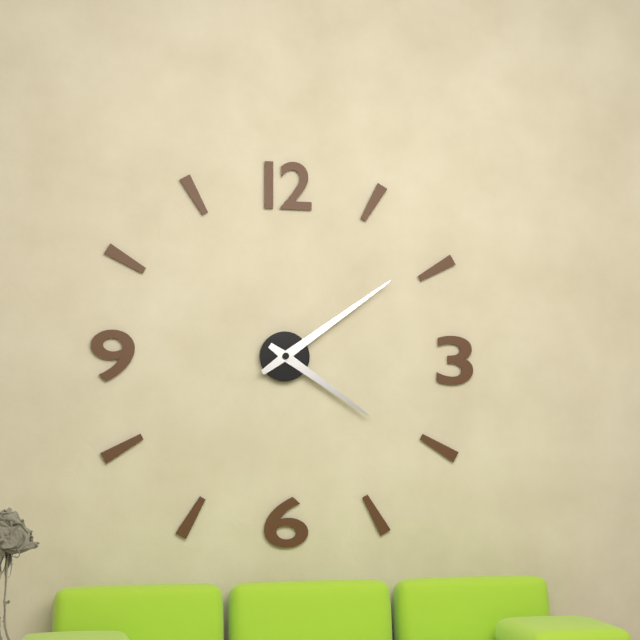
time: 4:09
